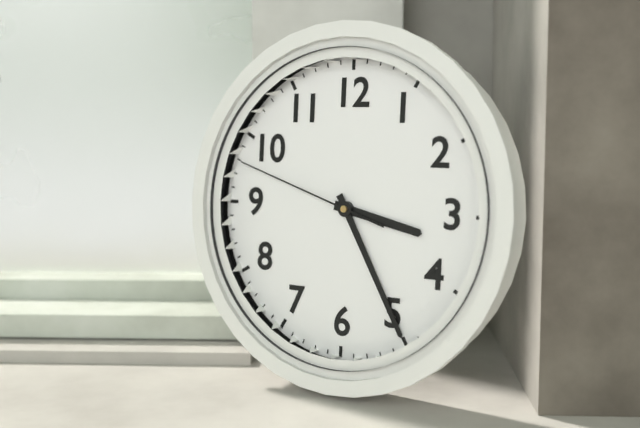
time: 3:25:48
